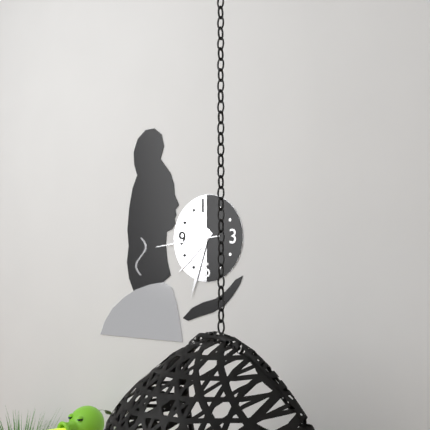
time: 7:33:44
